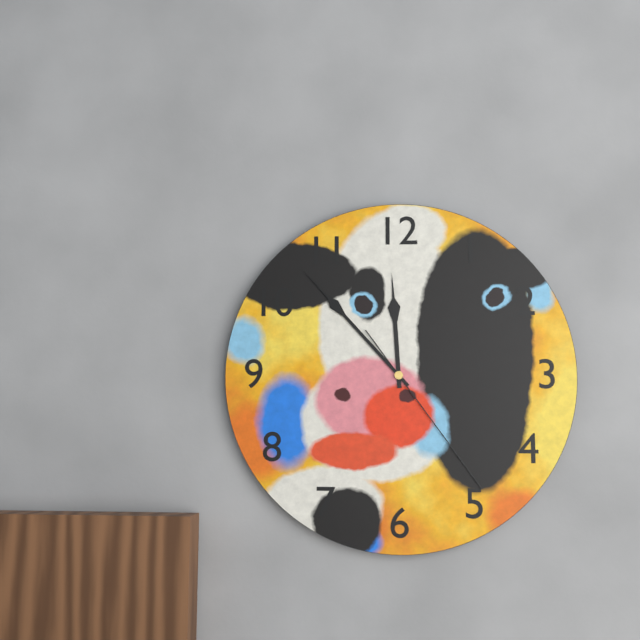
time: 11:53:24
